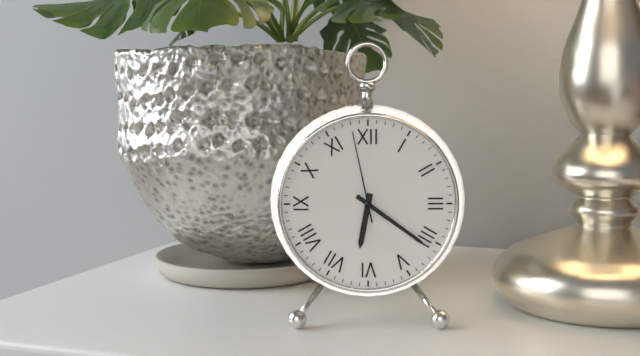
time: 6:21:58
